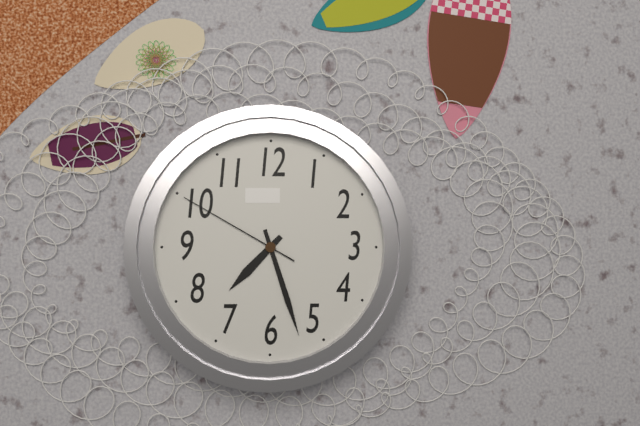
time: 7:27:50
